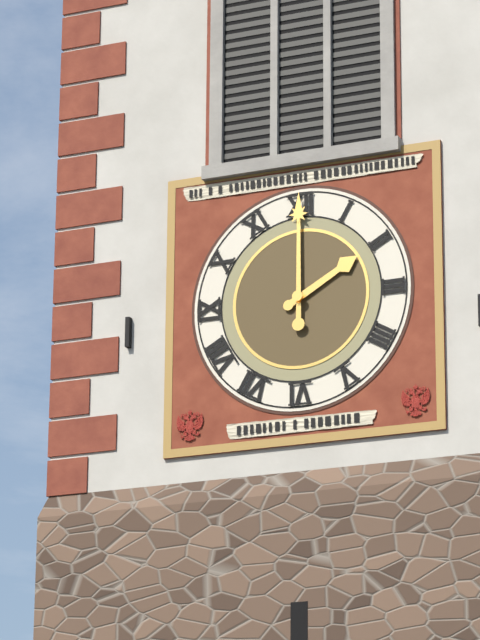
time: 2:00
